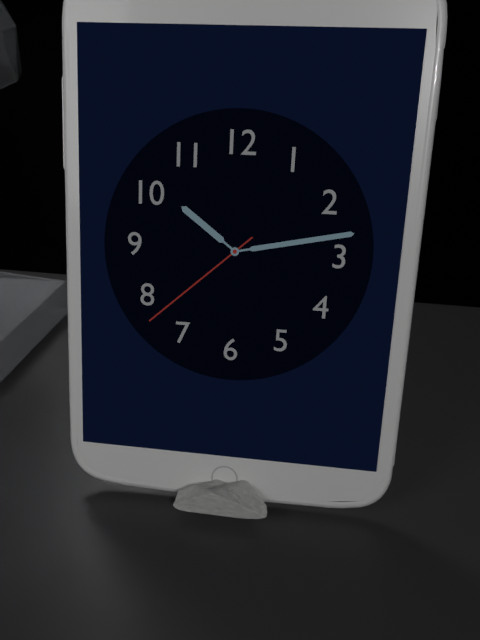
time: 10:13:38
